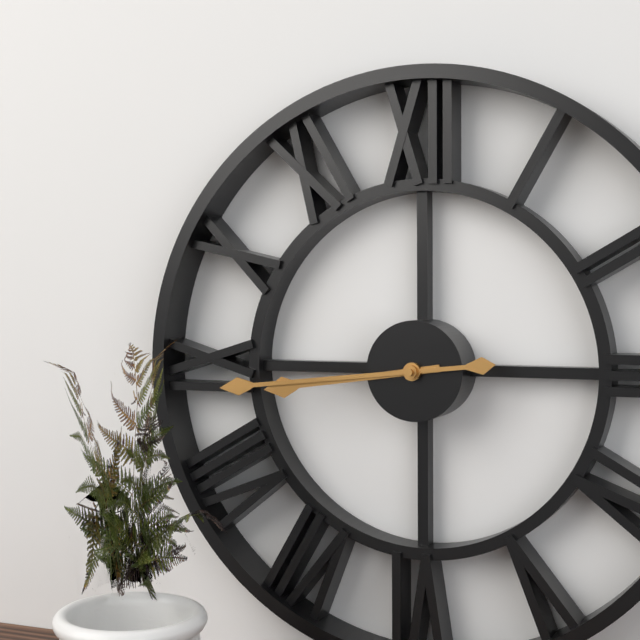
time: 8:44
